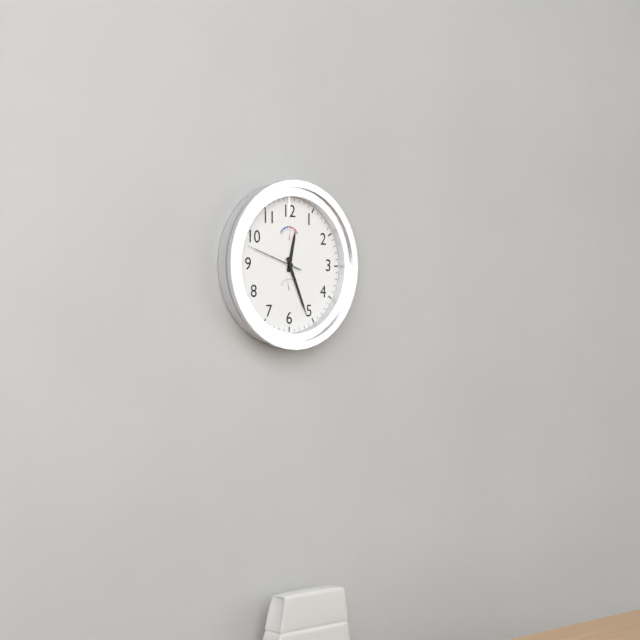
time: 12:26:48
